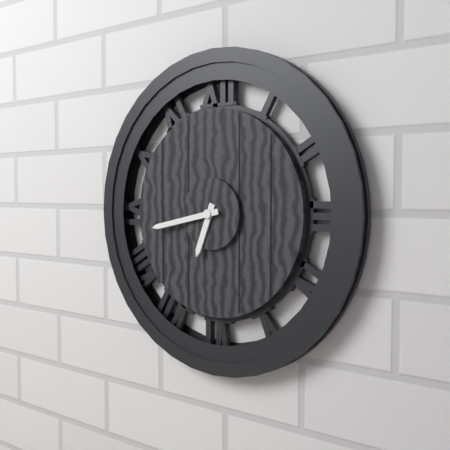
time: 6:43
